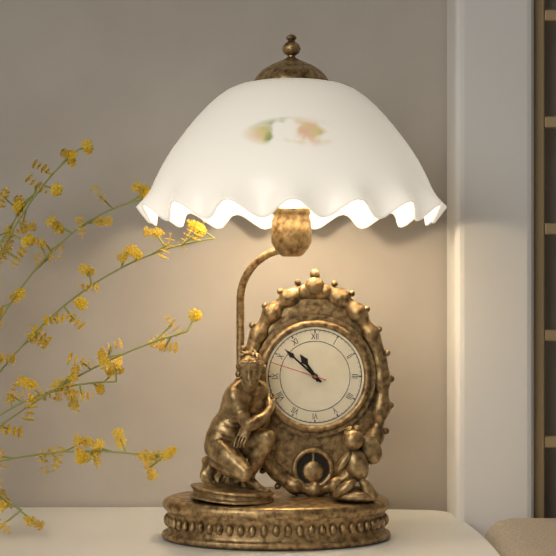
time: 10:52:48
